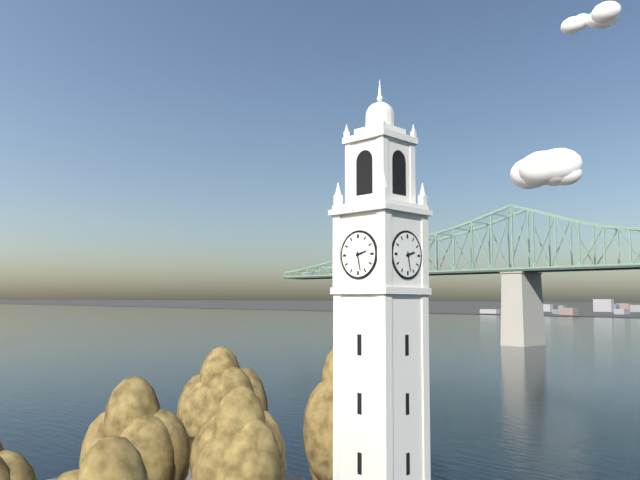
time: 2:28
